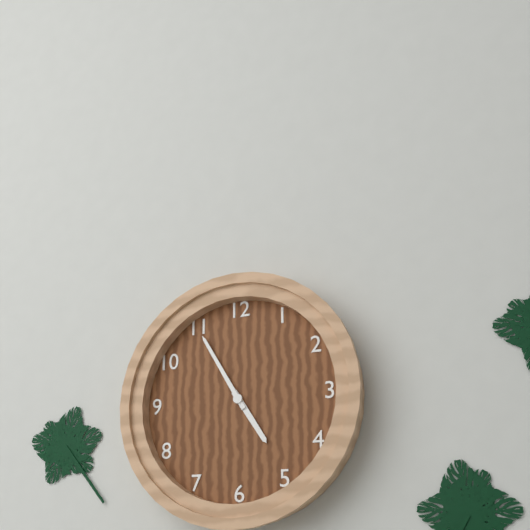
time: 4:55
